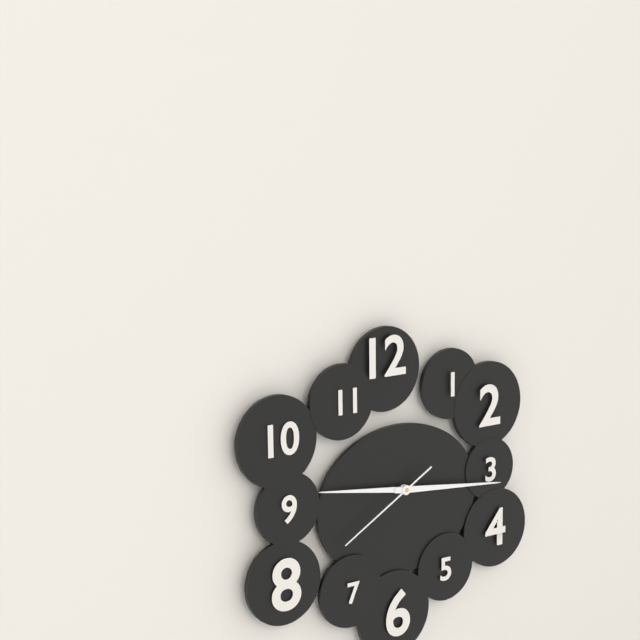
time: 9:16:40
